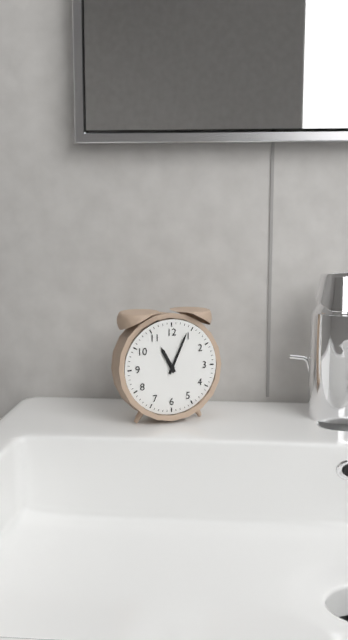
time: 11:04
